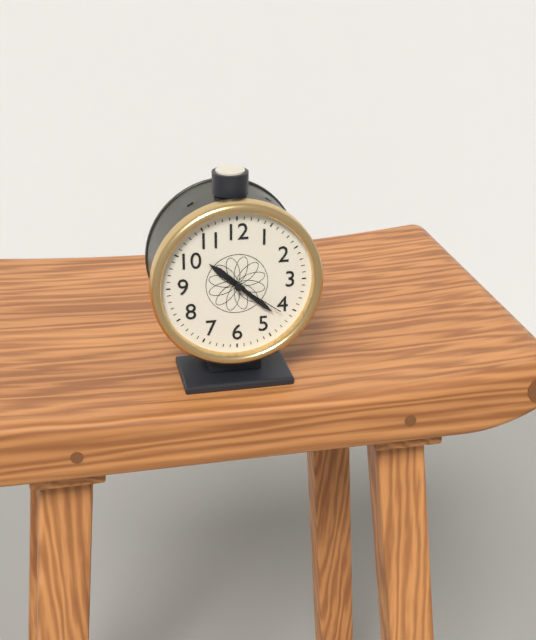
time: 10:22:21
